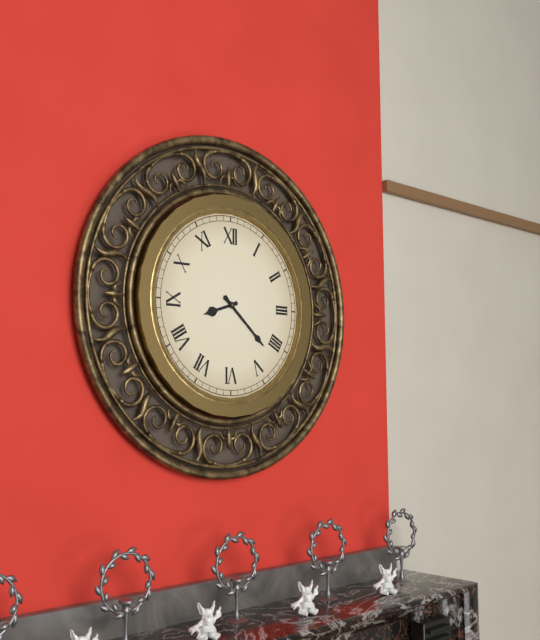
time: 8:22
